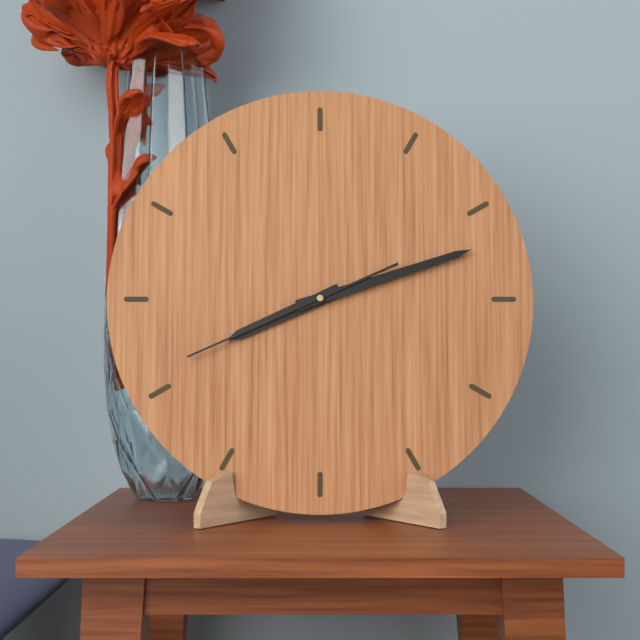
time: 8:12:41
